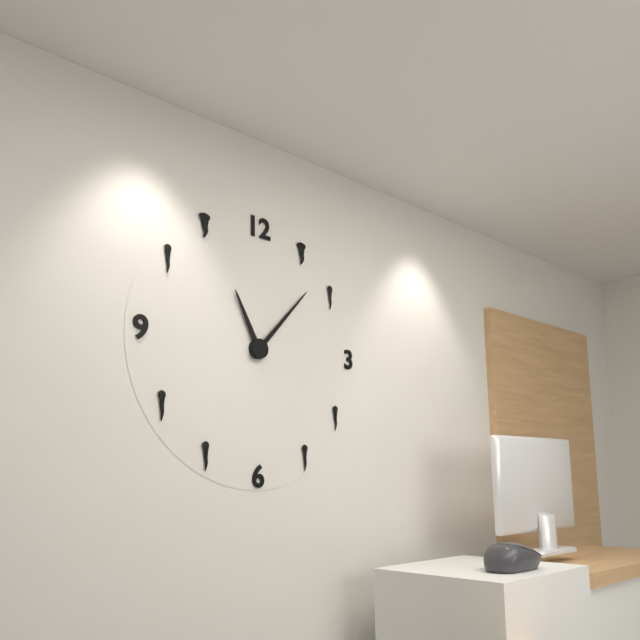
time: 11:07
